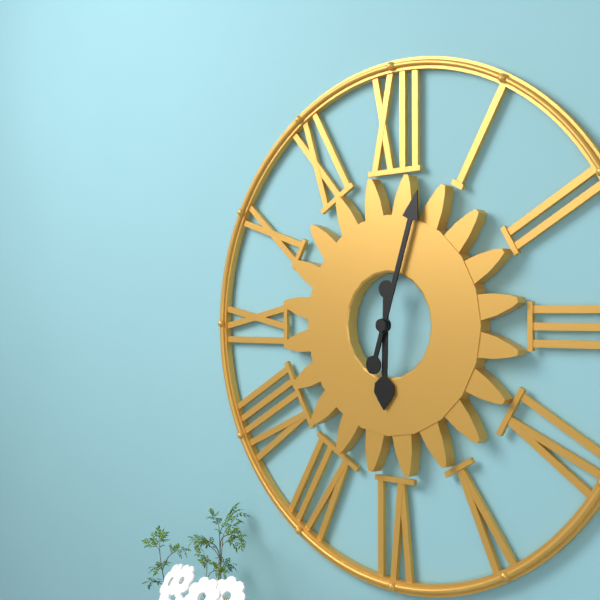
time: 6:03
